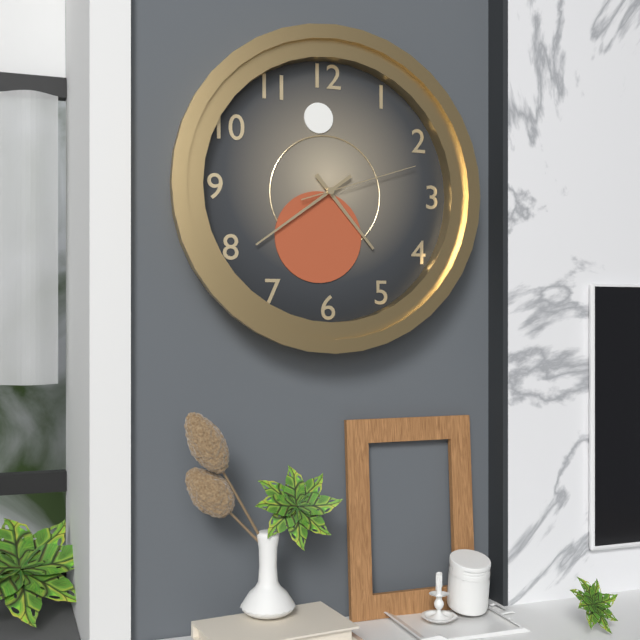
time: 4:39:12
